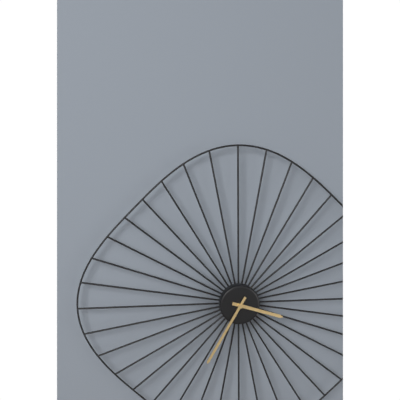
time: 3:35
